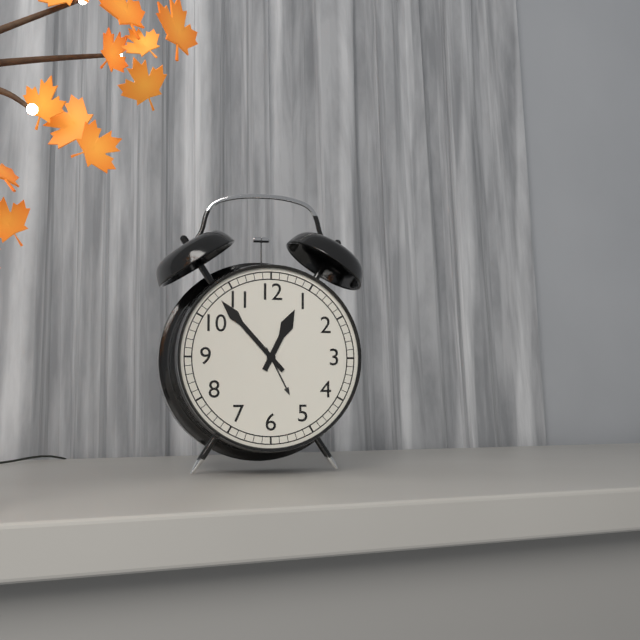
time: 12:53
